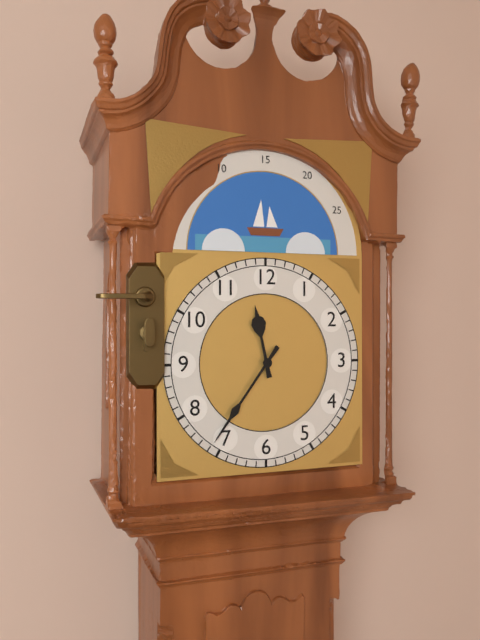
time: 11:36
